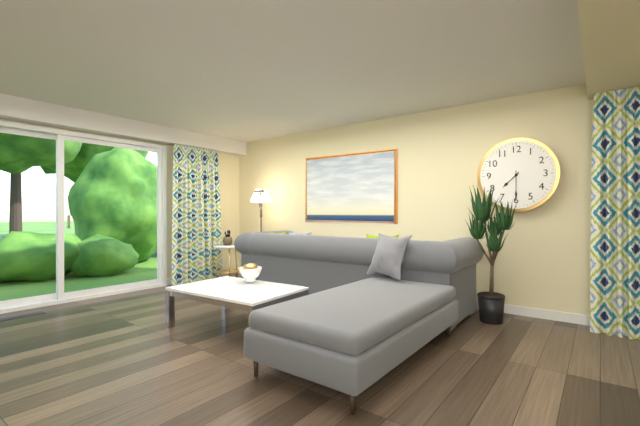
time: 7:30
